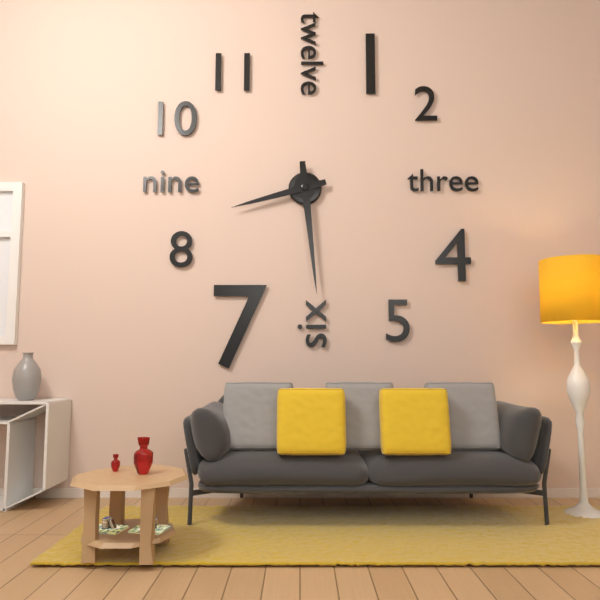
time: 8:29
